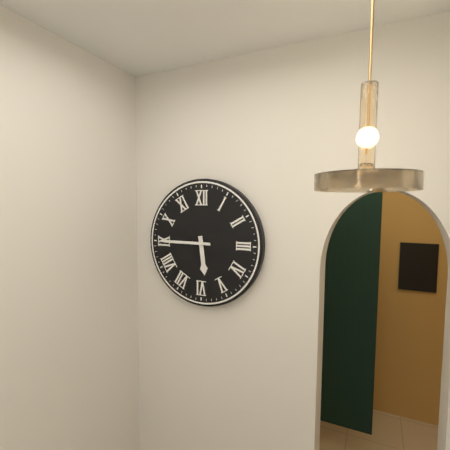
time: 5:45
